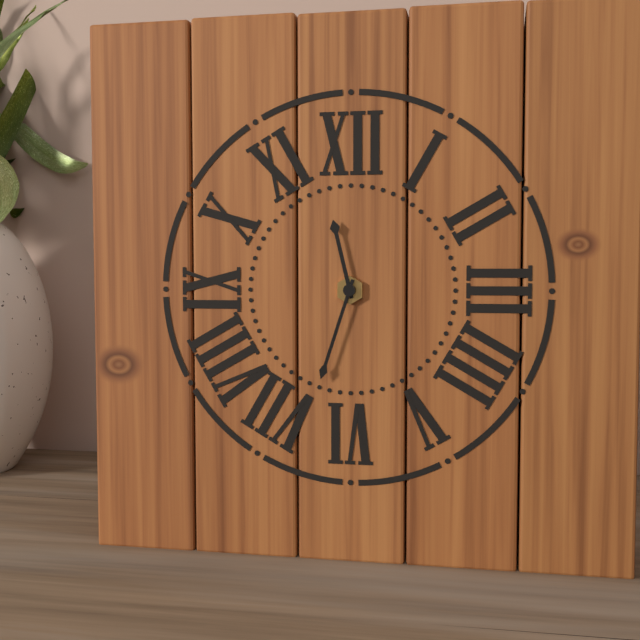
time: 11:33
